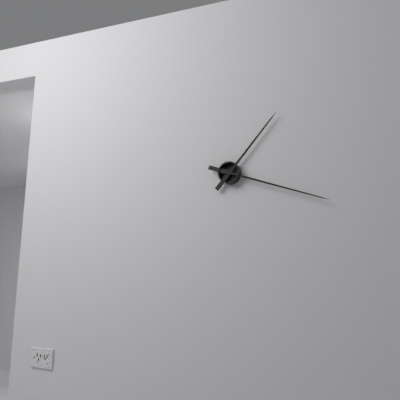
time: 1:18
